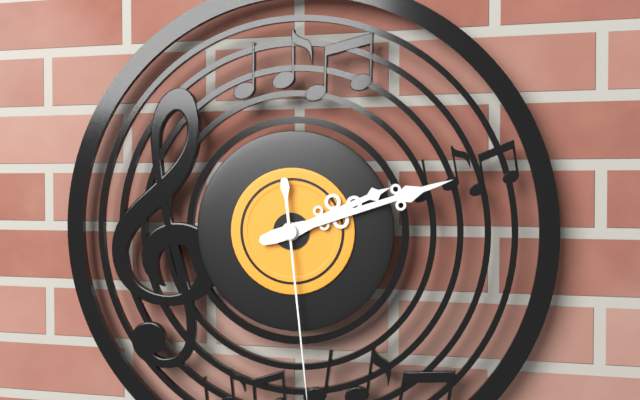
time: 2:12
